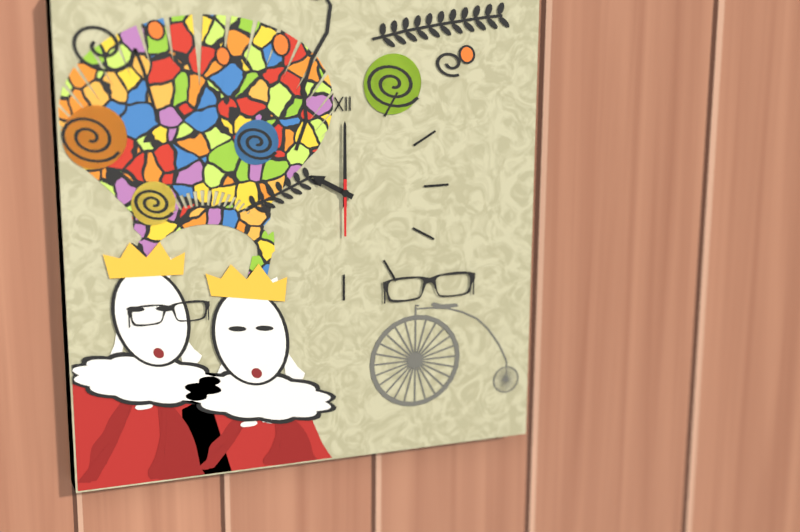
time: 10:00:30
